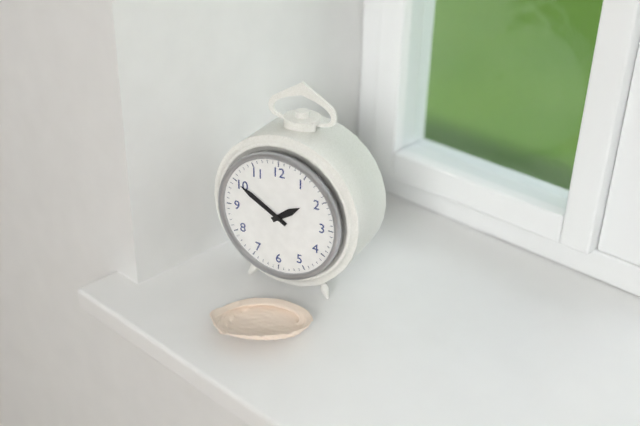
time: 1:50
